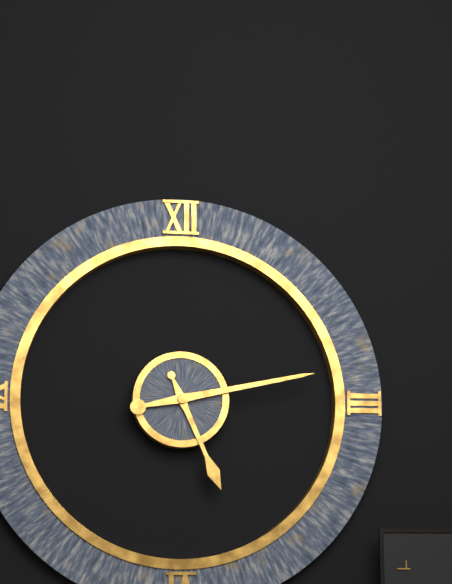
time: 5:13
